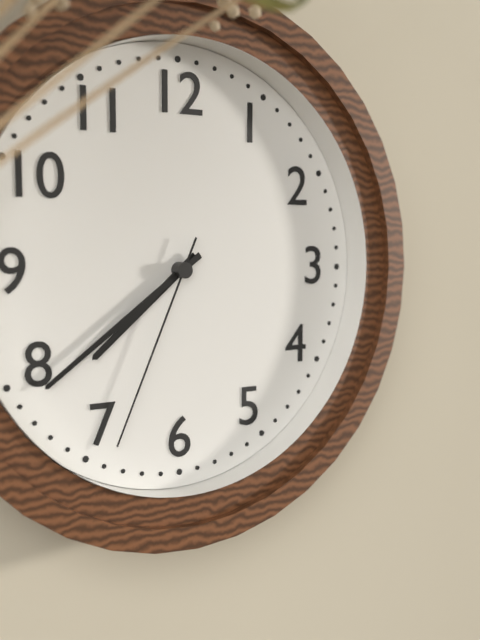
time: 7:39:34
